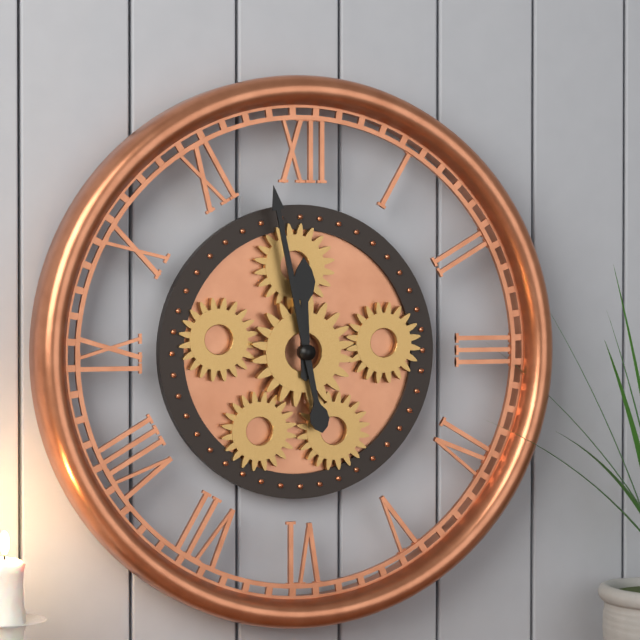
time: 11:58
